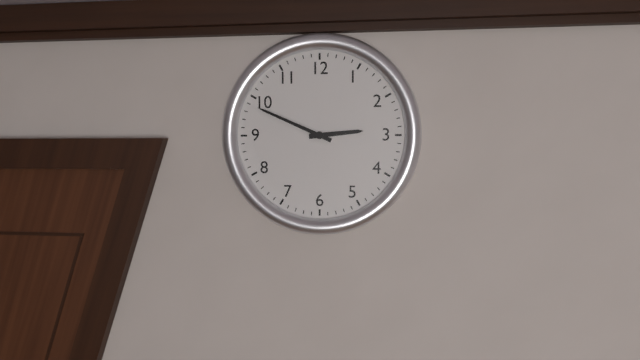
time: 2:49
